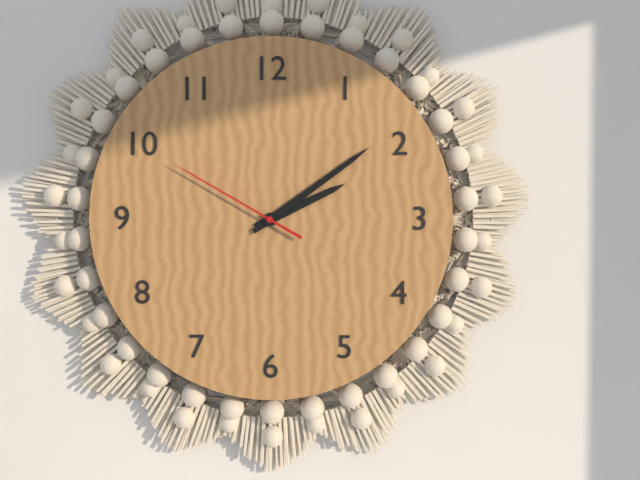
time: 2:09:50
